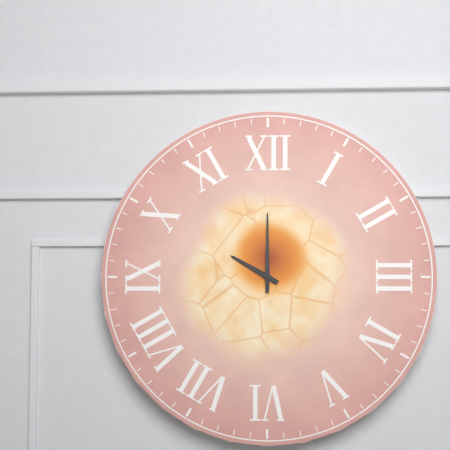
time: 10:00
